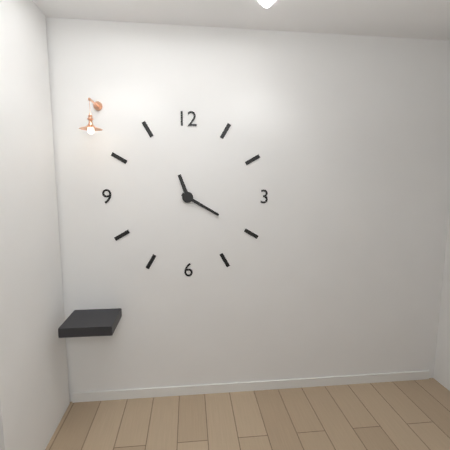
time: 11:20
